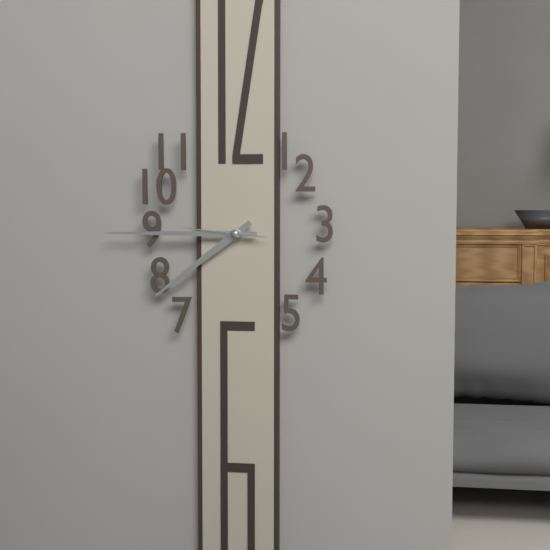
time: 7:45:46
